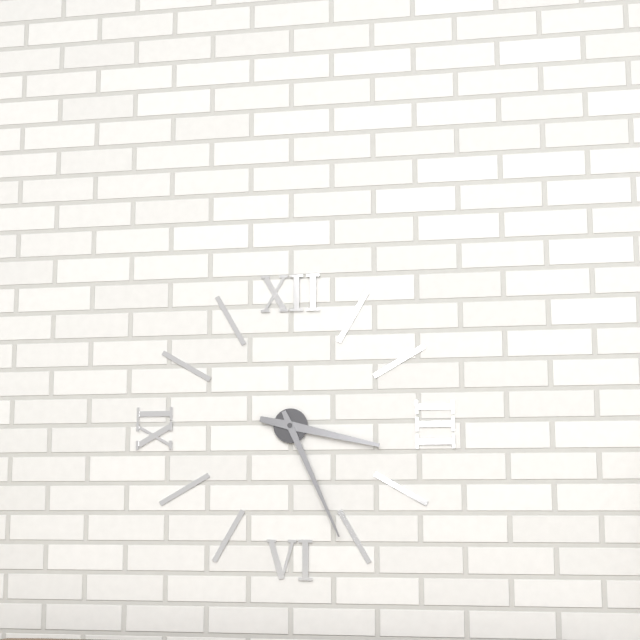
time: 3:26
